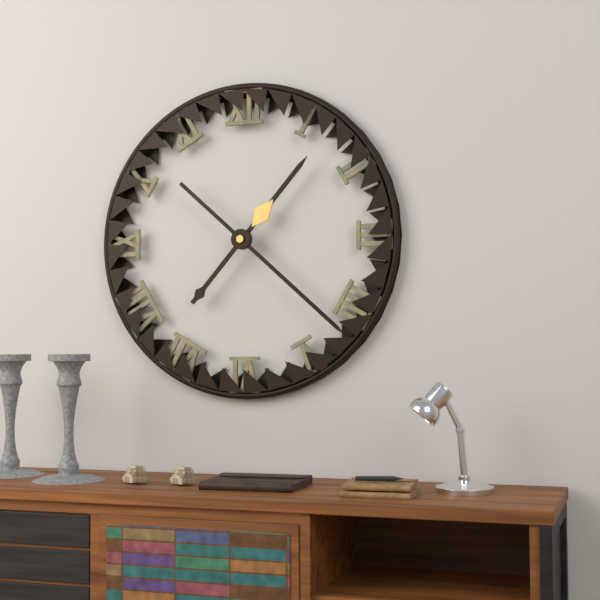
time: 1:22
